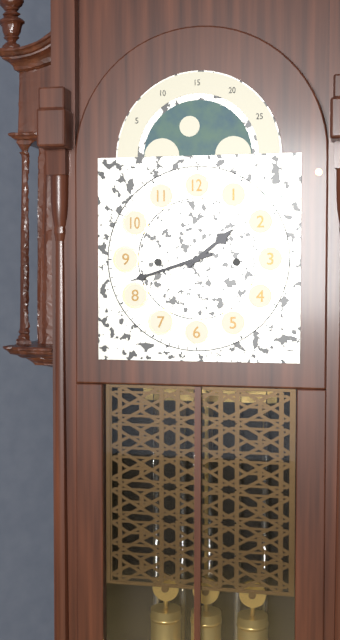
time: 1:42
